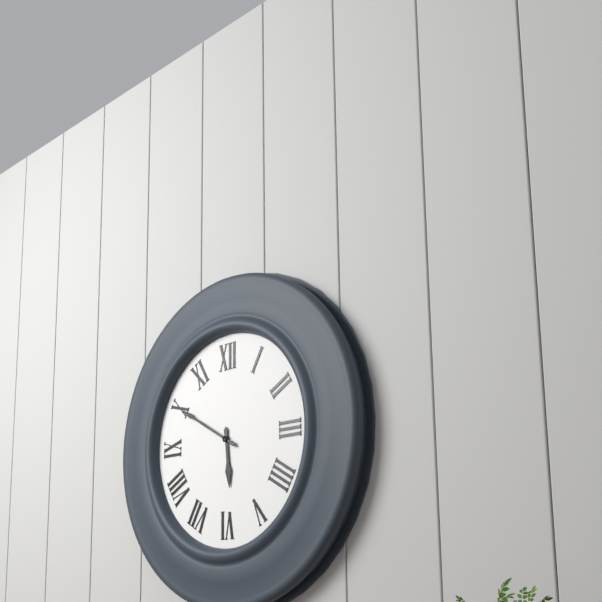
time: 5:50
